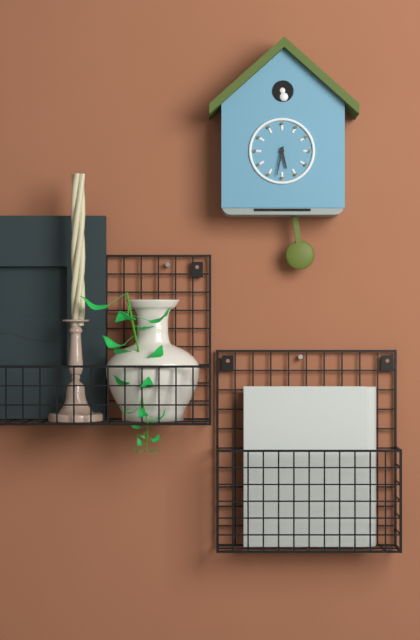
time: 5:32
